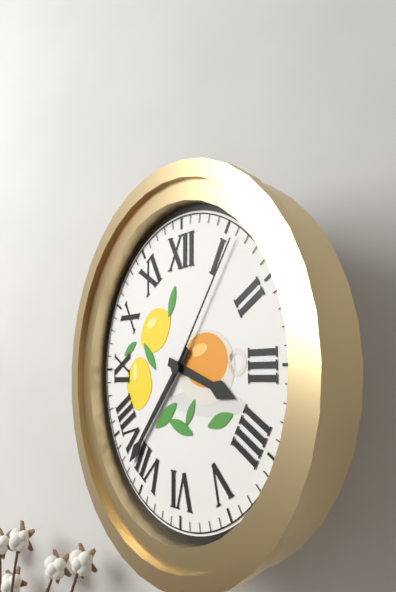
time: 3:37:06
